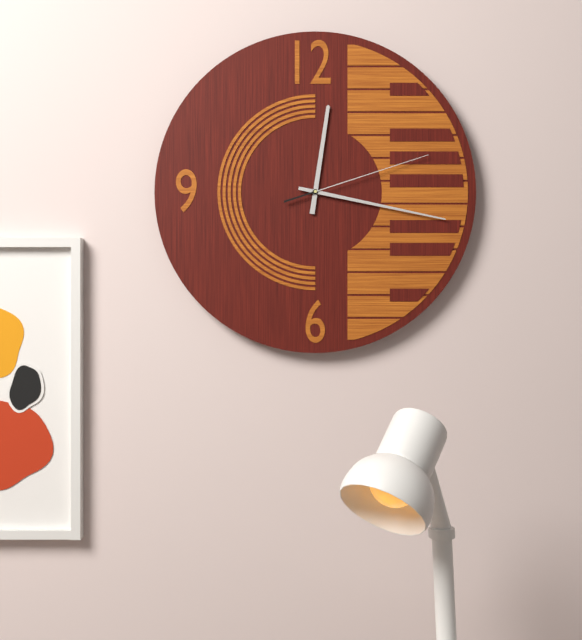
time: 12:17:12
